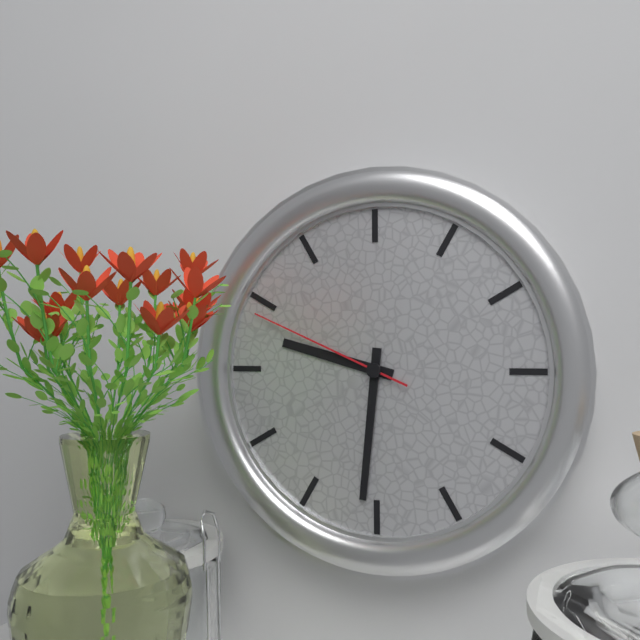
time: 9:31:49
